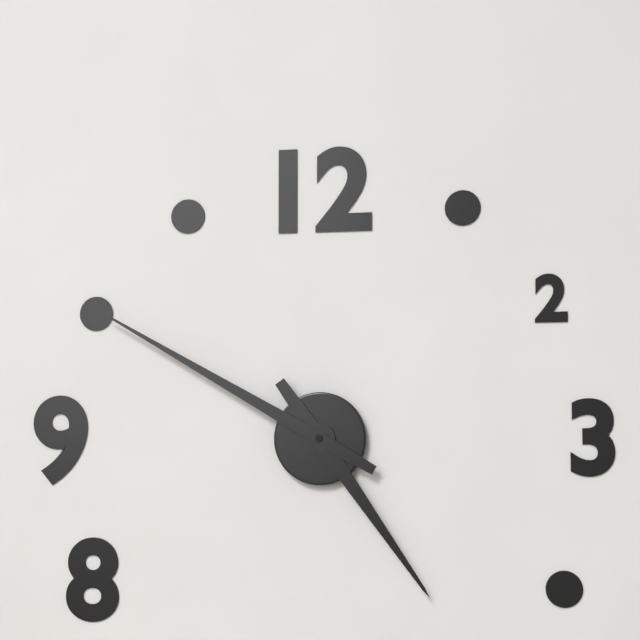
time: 4:50
